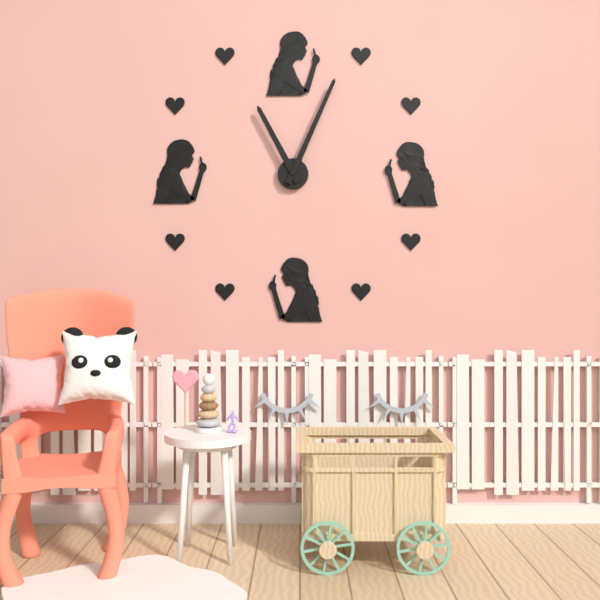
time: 11:04
